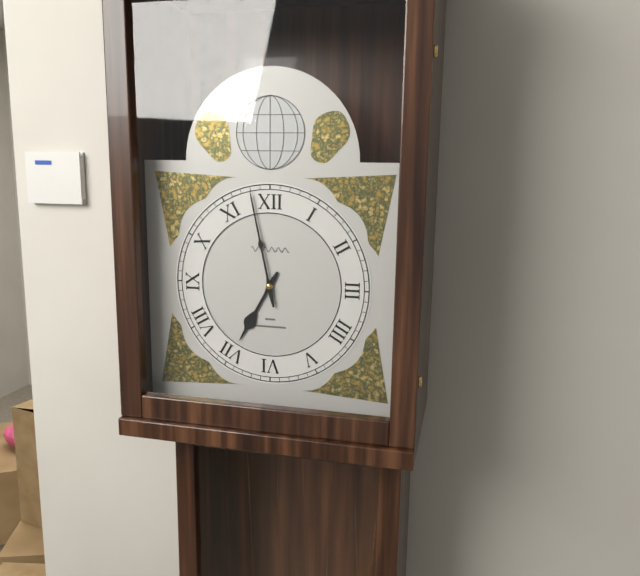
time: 6:58
